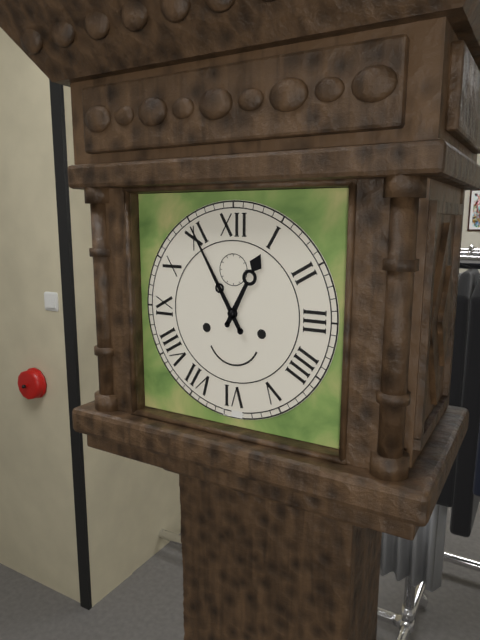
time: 12:55
